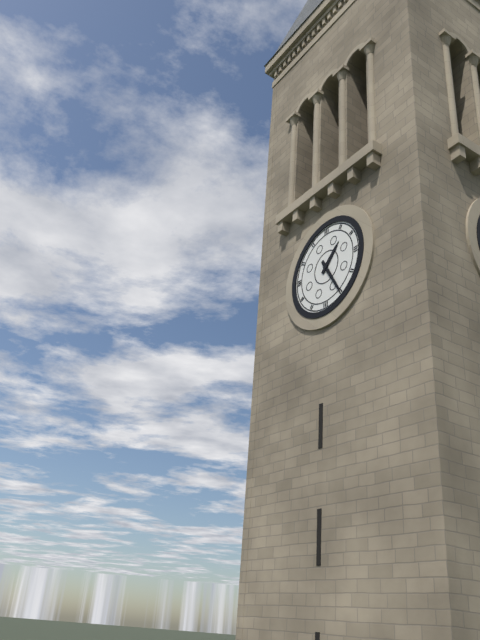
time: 1:25
